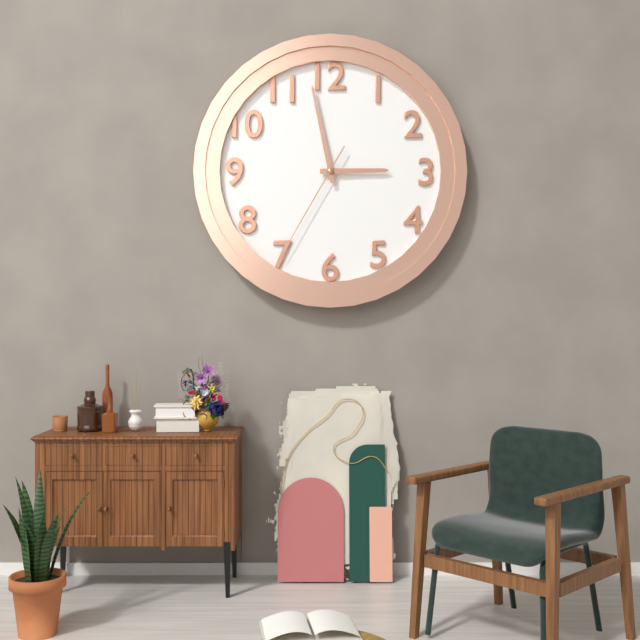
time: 2:58:35
